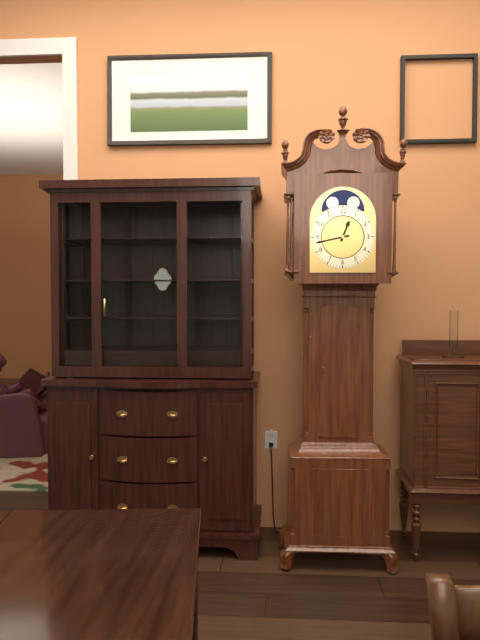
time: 12:43
